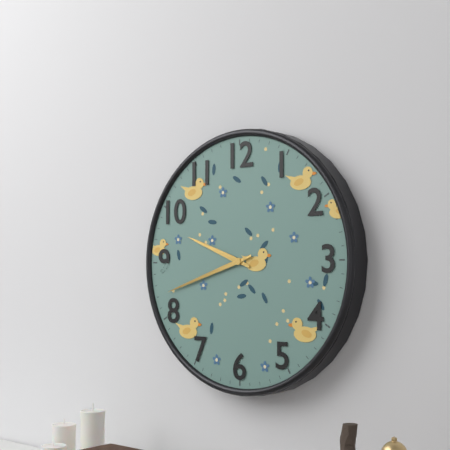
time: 9:42
